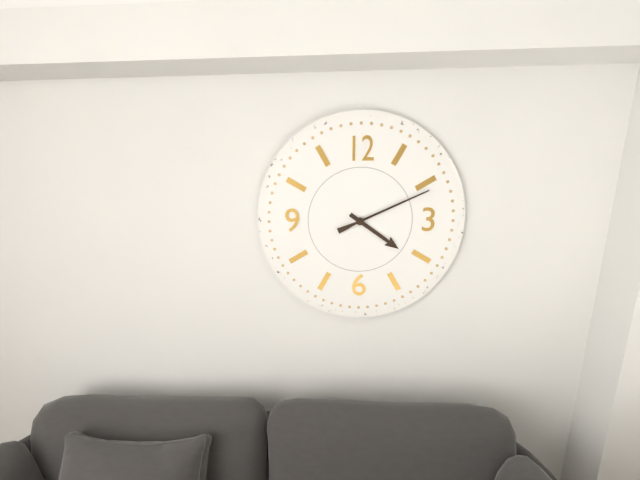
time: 4:11
